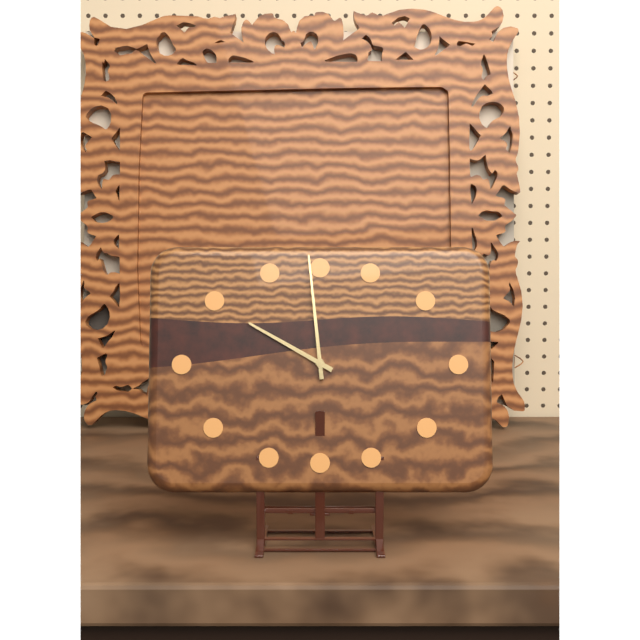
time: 9:59
